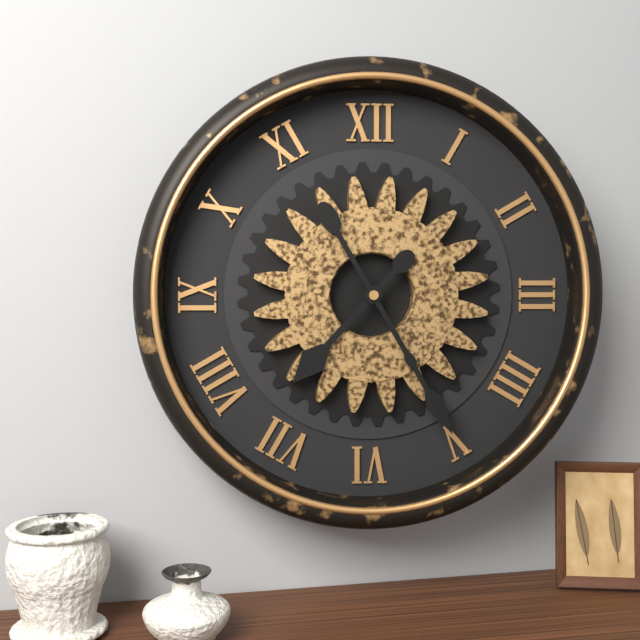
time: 7:25
